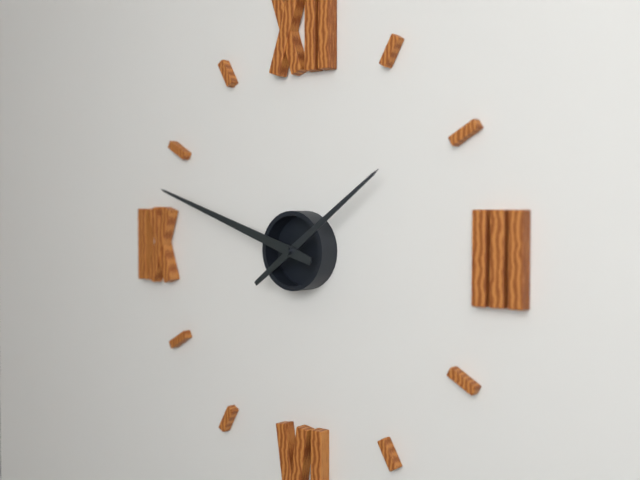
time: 1:48
